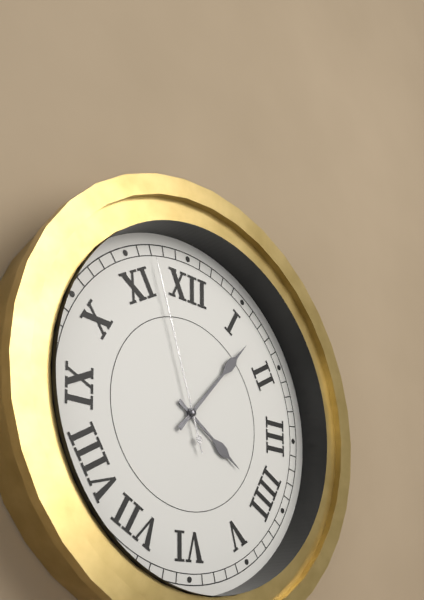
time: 4:07:57
